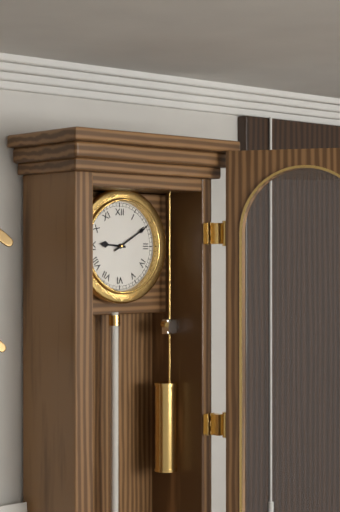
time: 9:10
